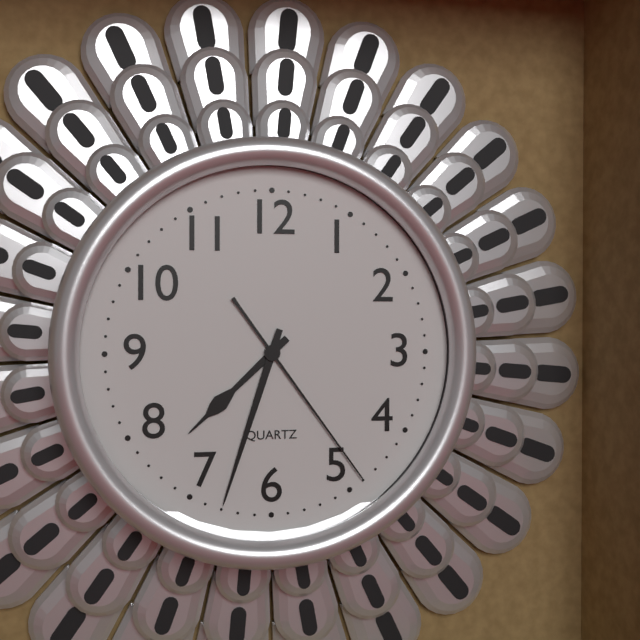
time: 7:33:24
